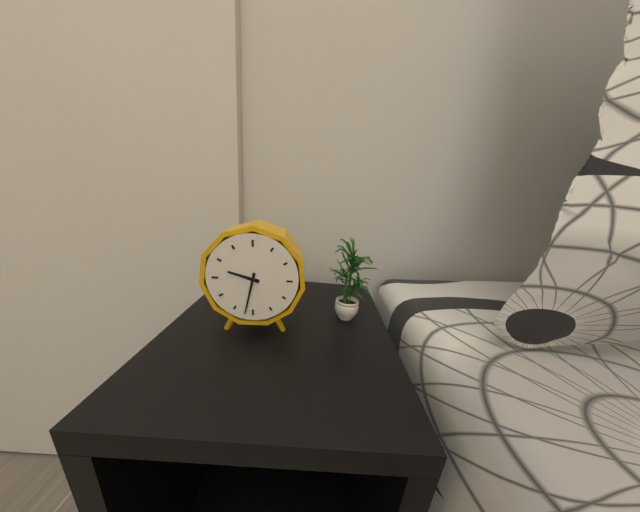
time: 9:32
